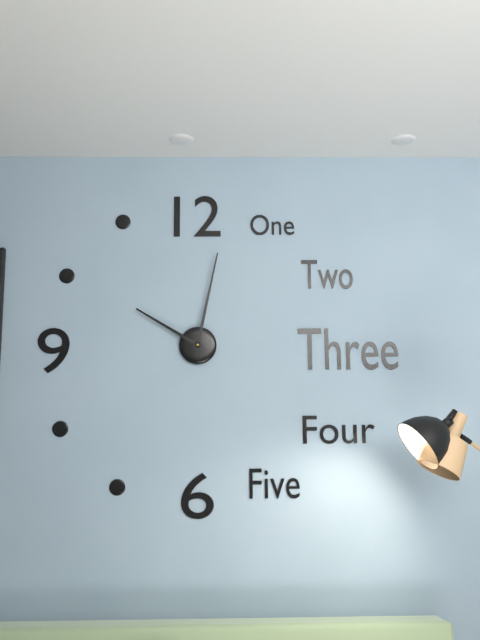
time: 10:02
